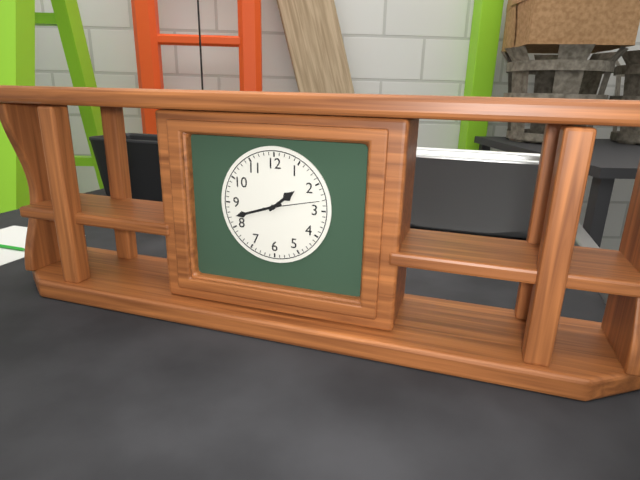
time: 1:42:13
